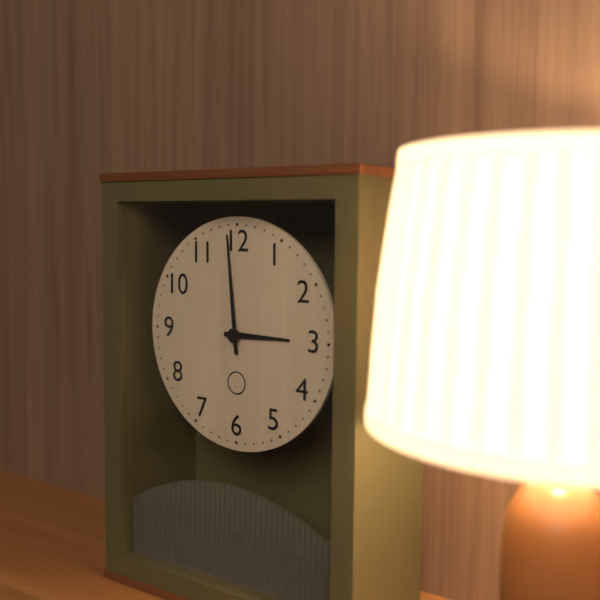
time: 2:59
